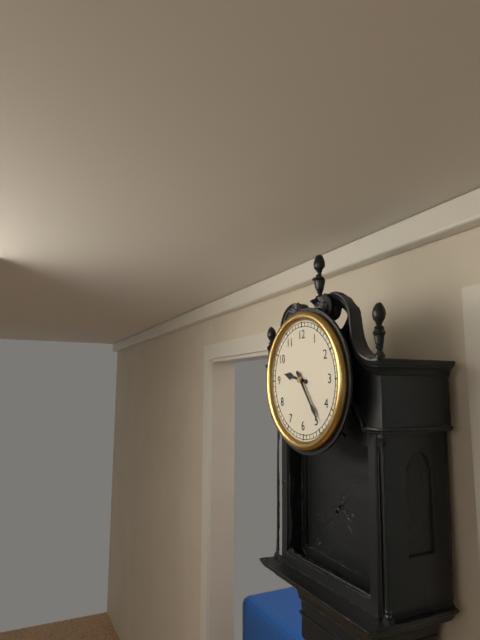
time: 9:24
